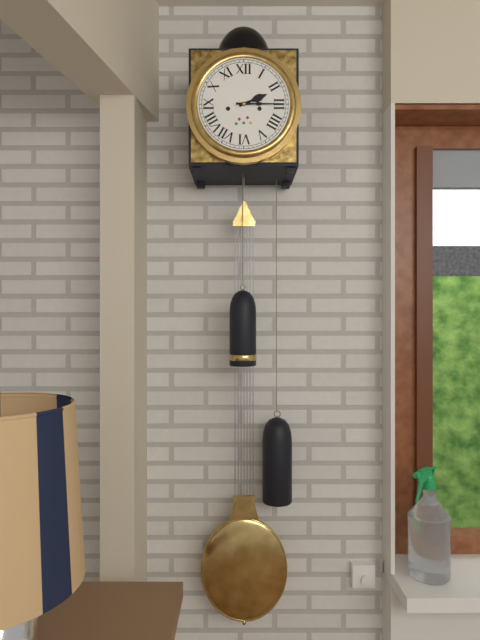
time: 2:15
